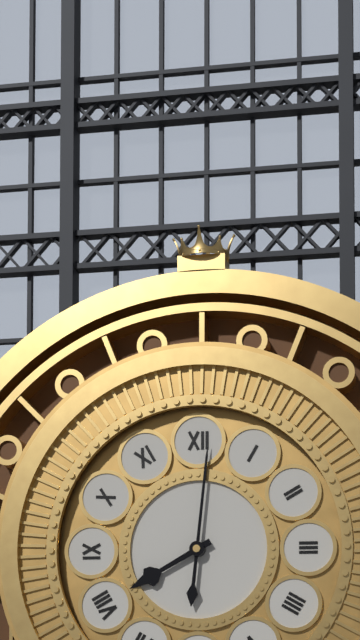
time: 8:01
